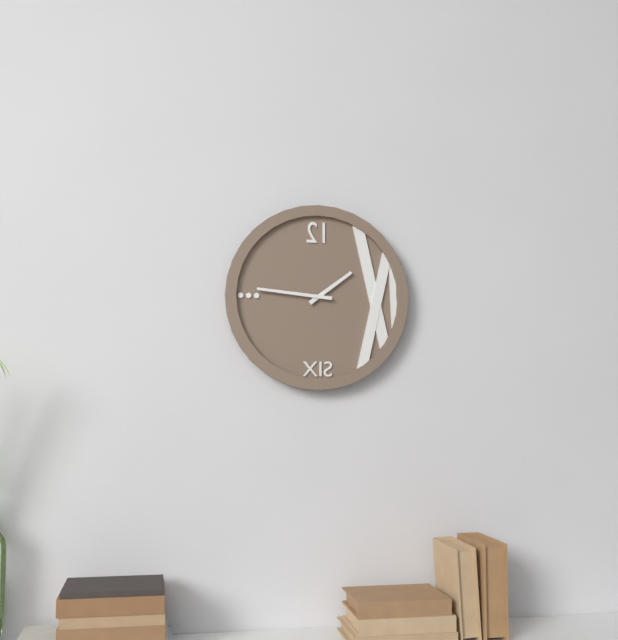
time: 1:46
